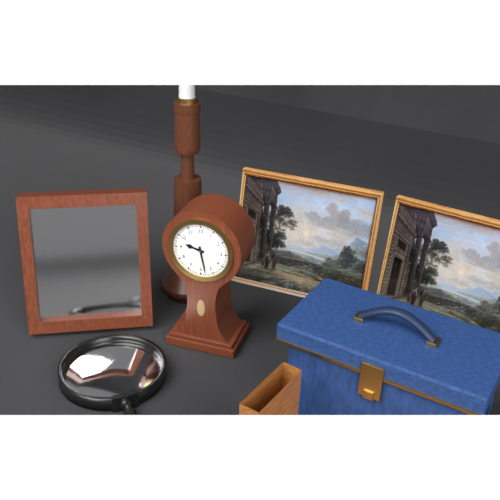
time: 9:28
